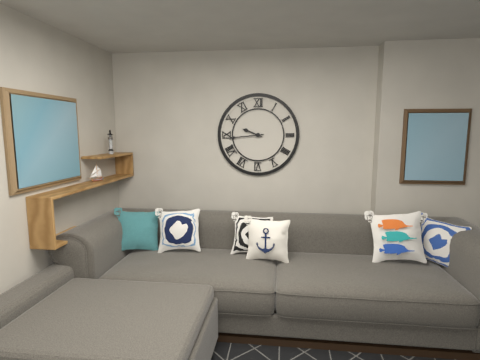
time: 9:44
